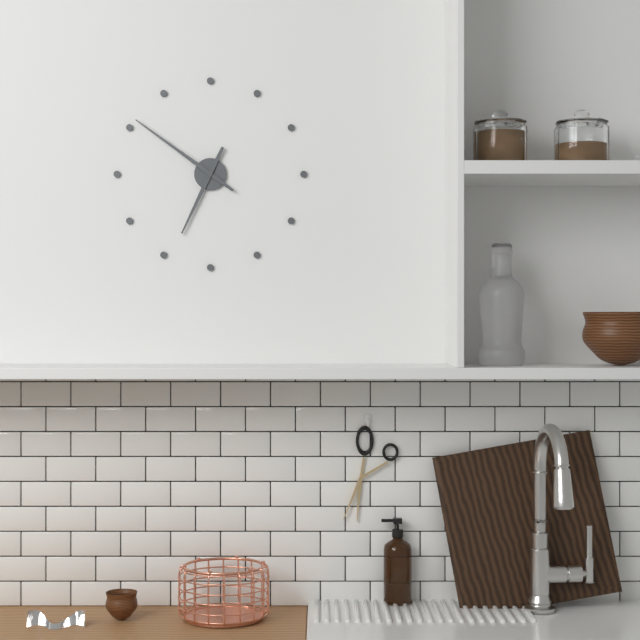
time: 6:51
